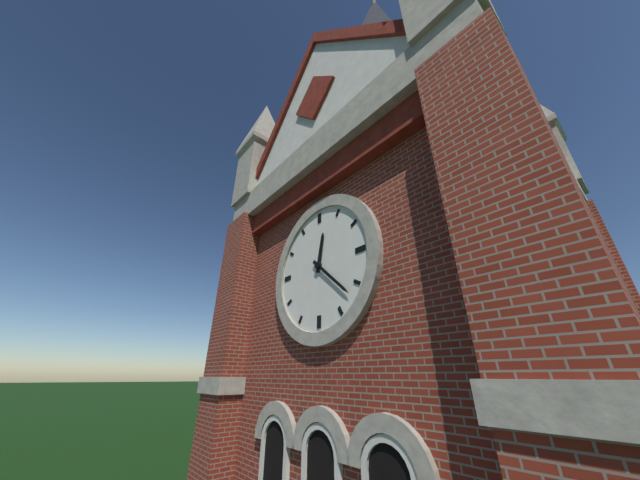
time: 12:22
